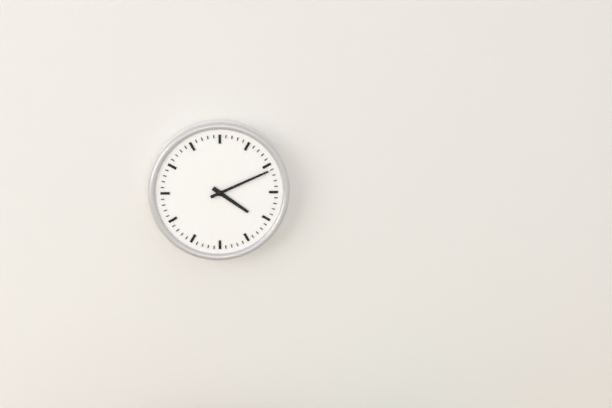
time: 4:11
